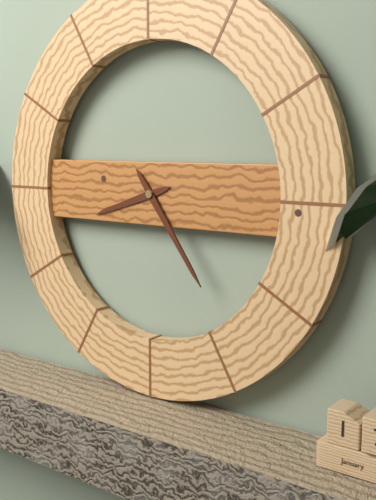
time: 8:24
